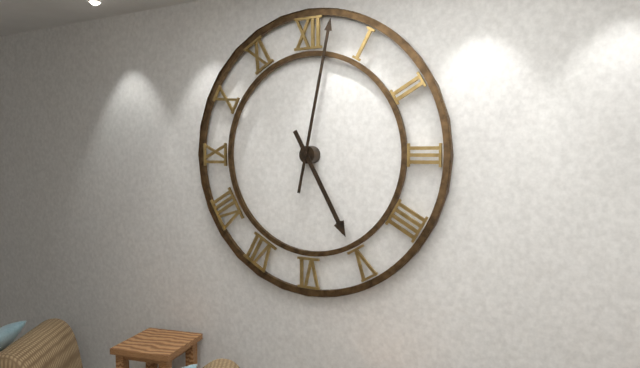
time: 5:02
